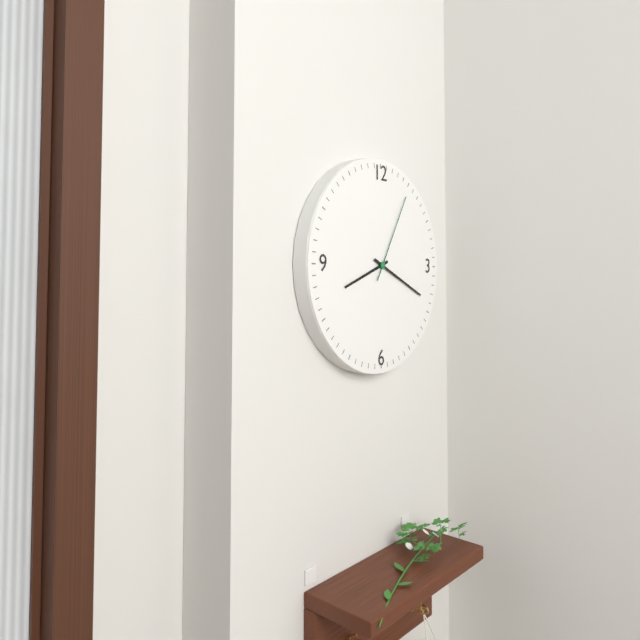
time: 8:19:05
